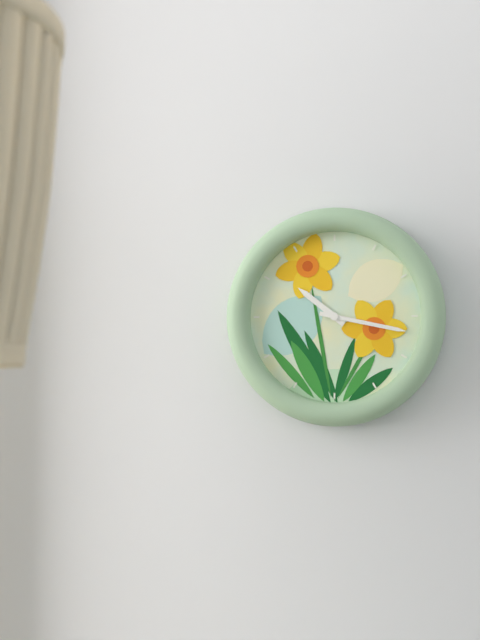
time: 10:17
